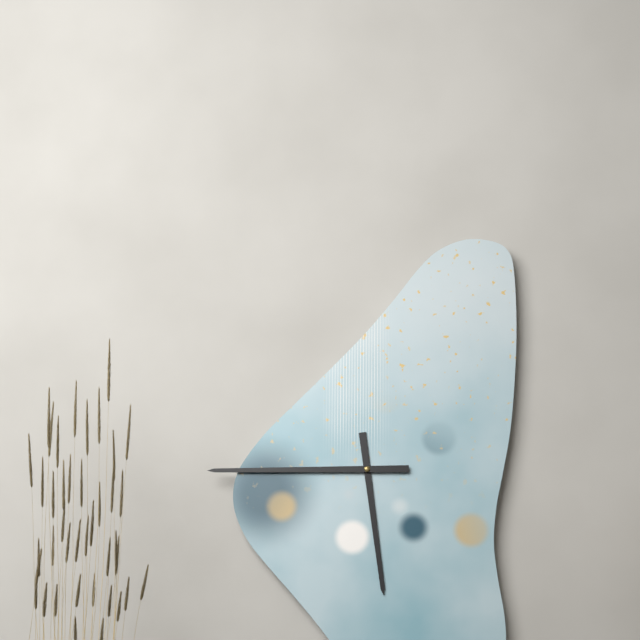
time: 5:45
